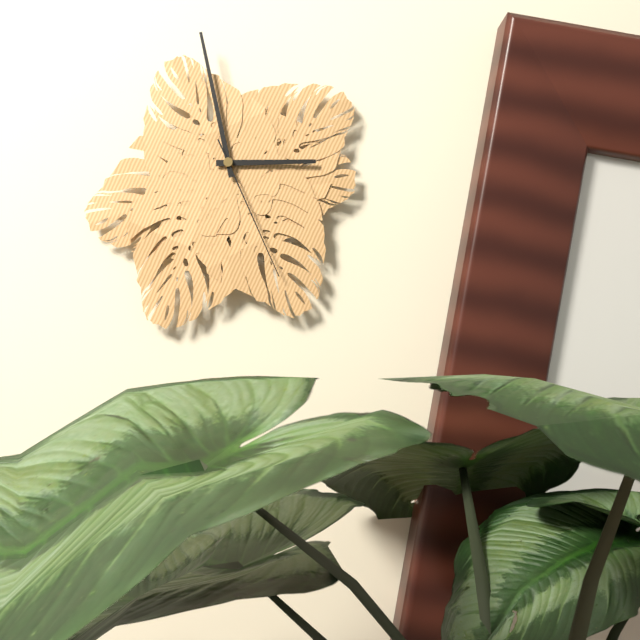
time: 2:58:26
